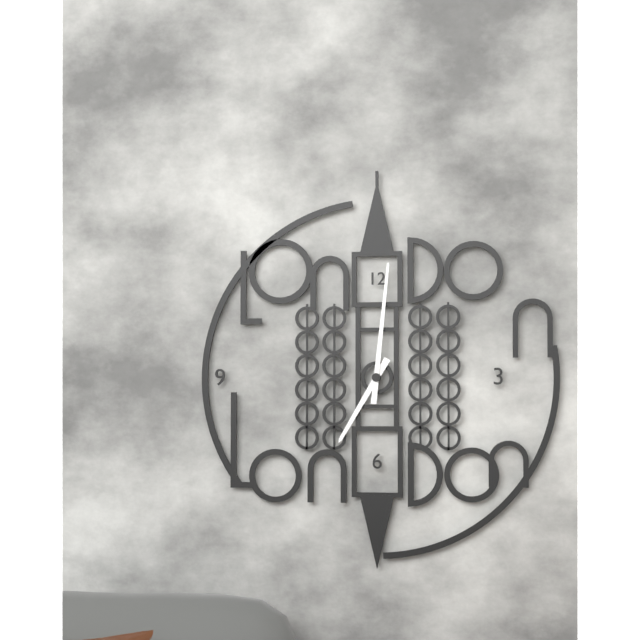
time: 7:01
